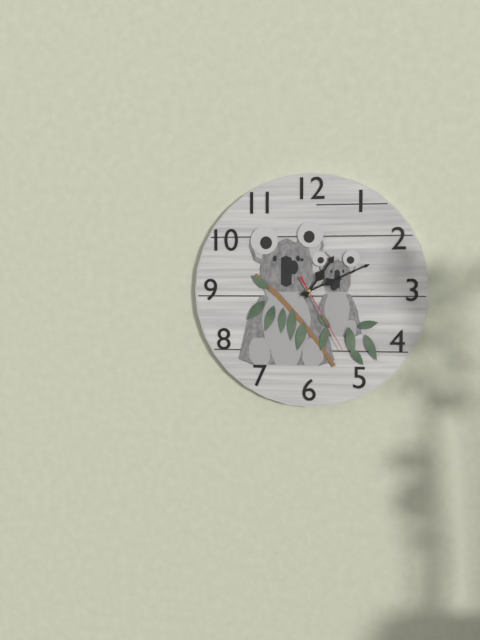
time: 1:11:25
